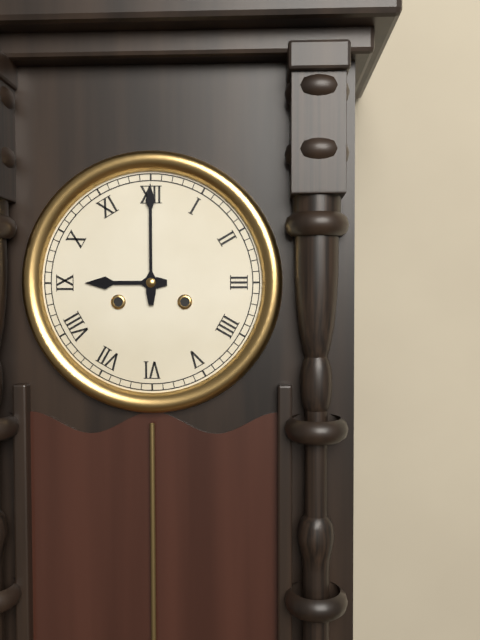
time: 9:00
